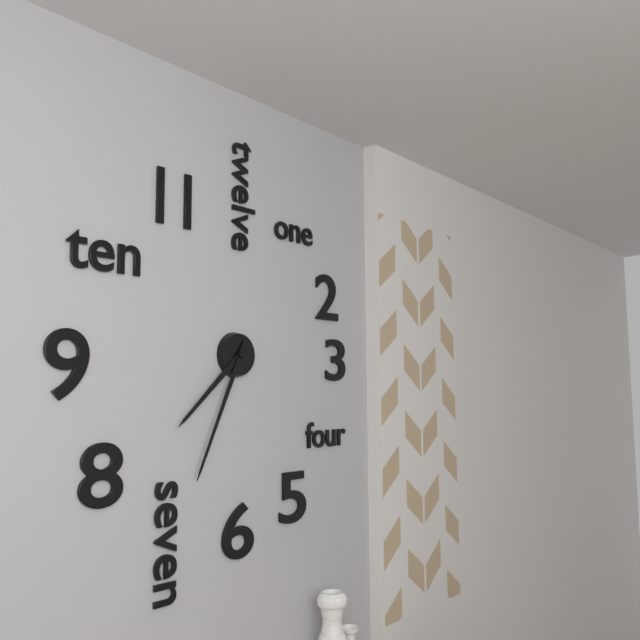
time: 7:34
